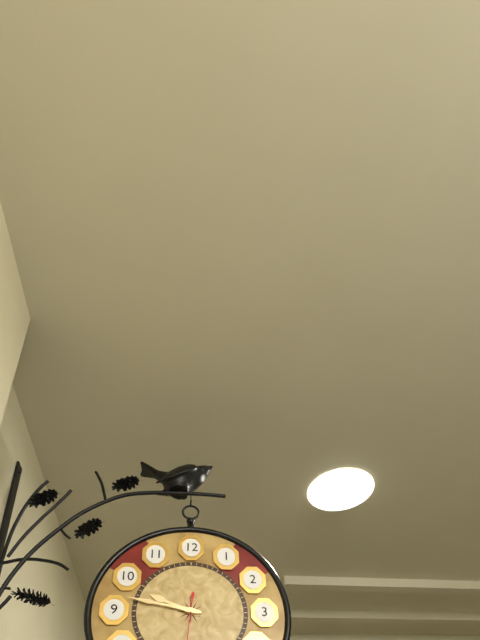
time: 9:47
